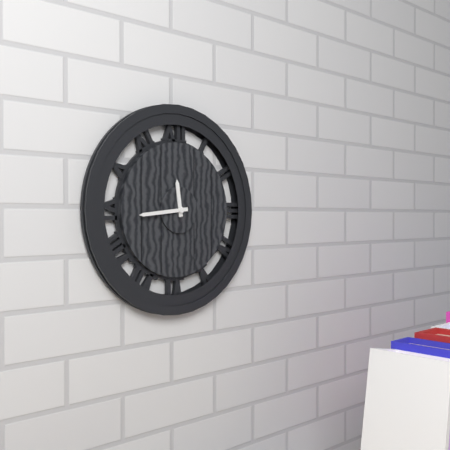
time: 11:44
